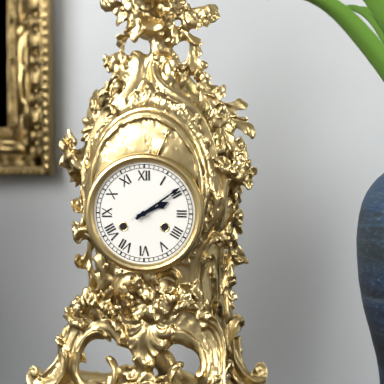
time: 2:09
